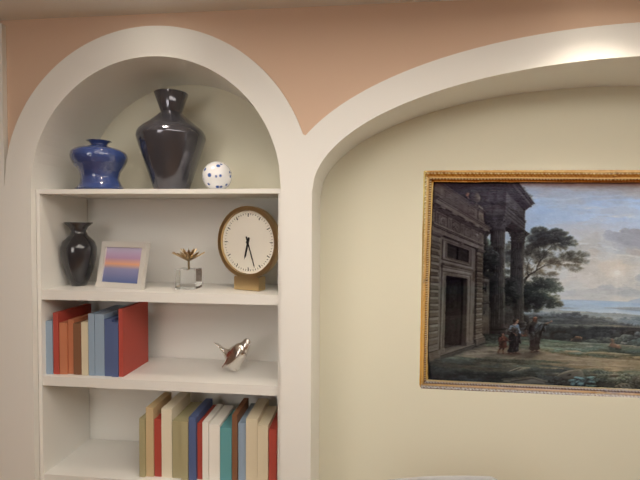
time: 6:27
